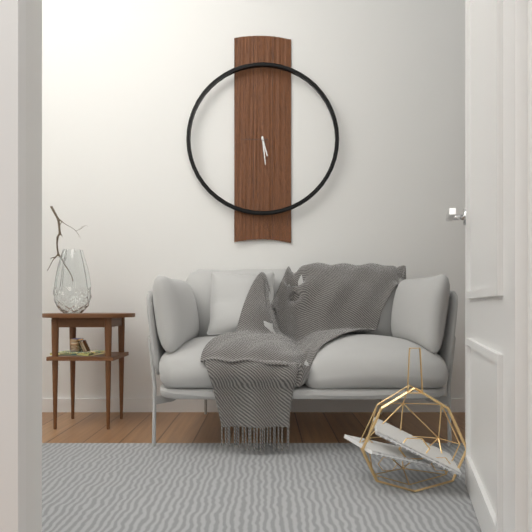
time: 5:29
